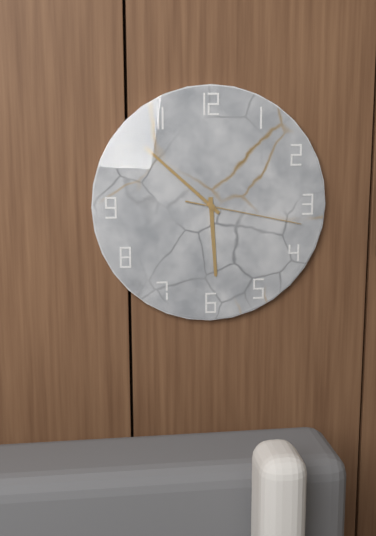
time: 5:52:17
